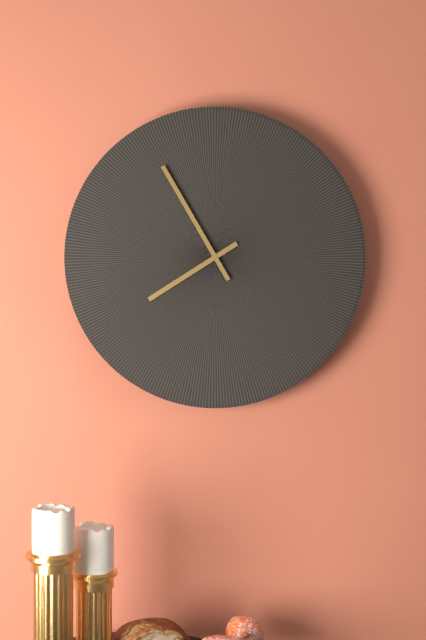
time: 7:55
